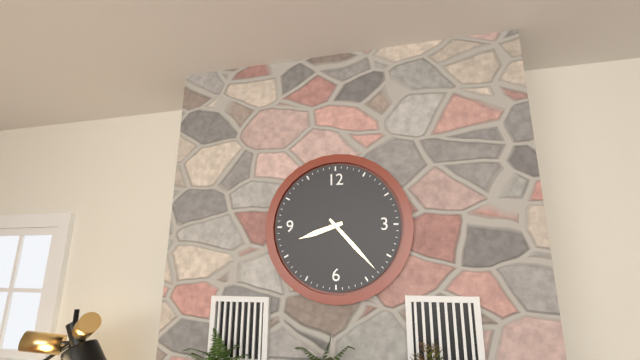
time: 8:23
